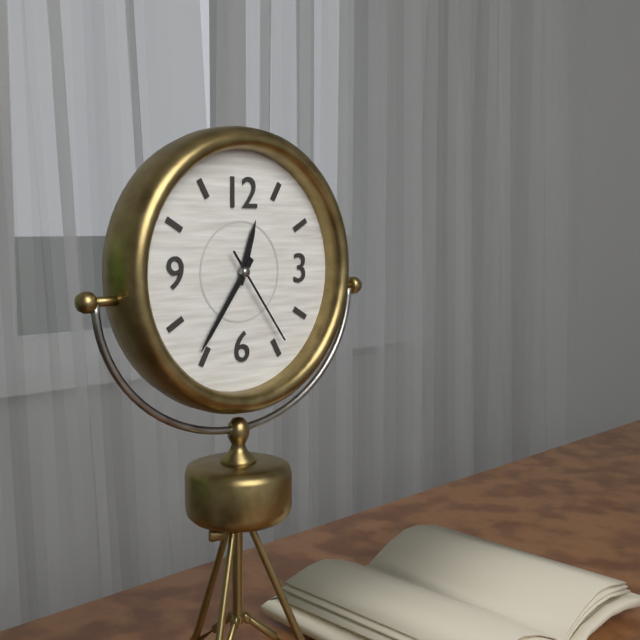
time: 12:36:24
